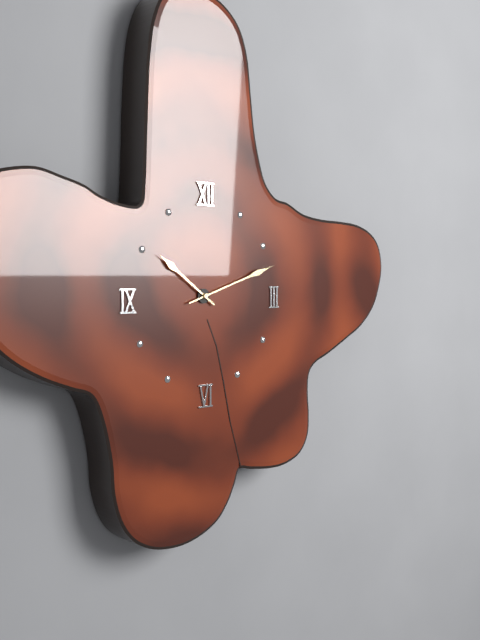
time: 10:12
